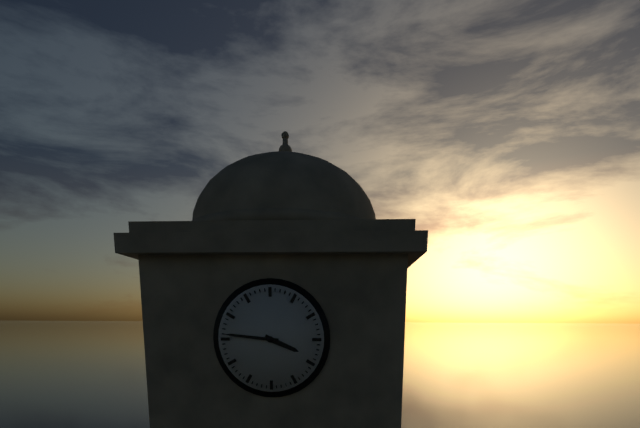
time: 3:46
